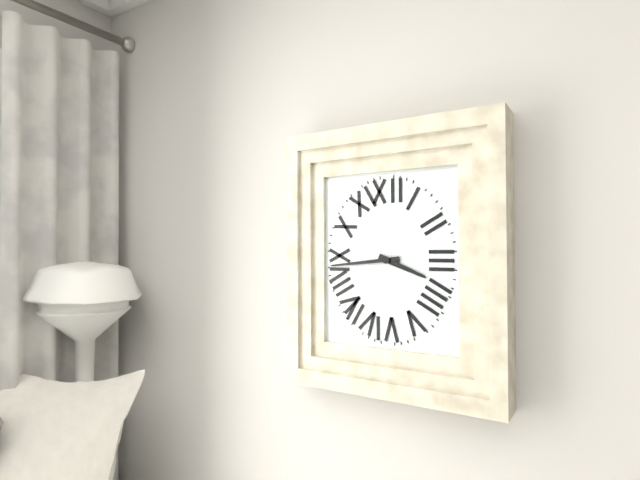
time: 3:44
